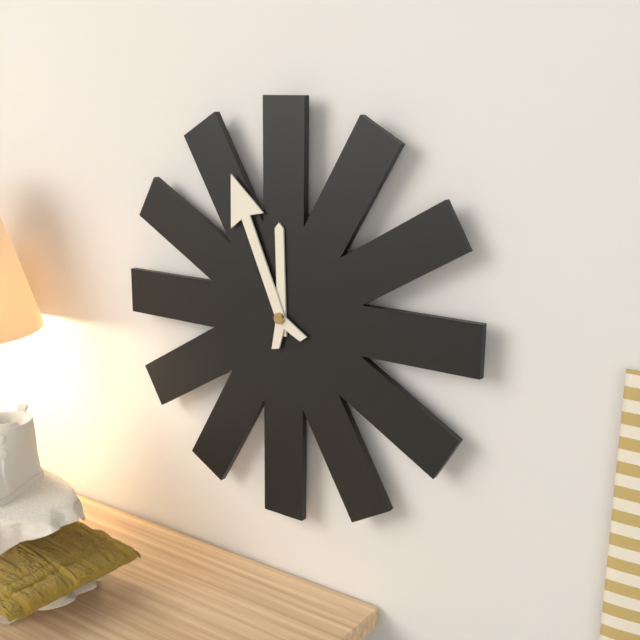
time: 11:56
